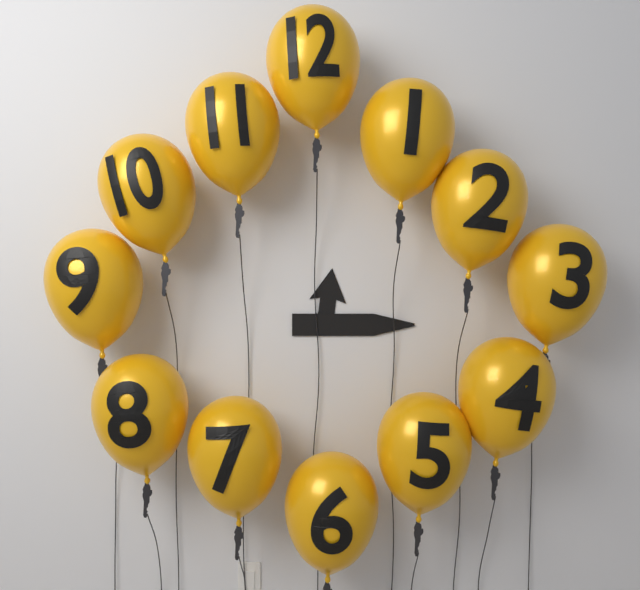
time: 12:15
